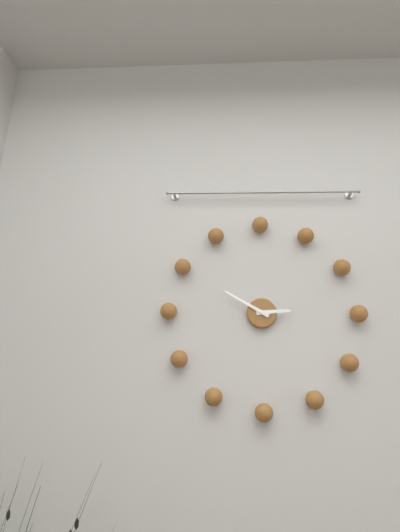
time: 2:50
